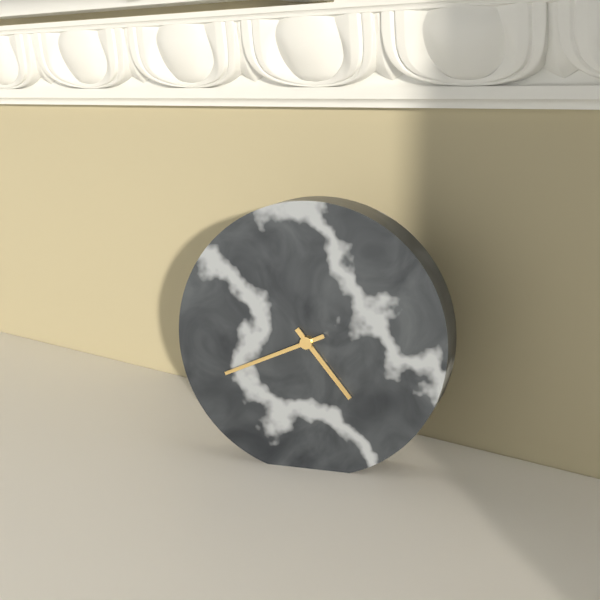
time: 4:41
